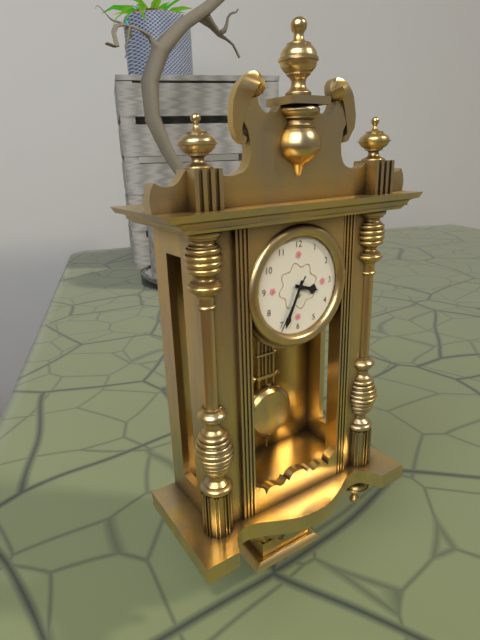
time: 3:34:35
